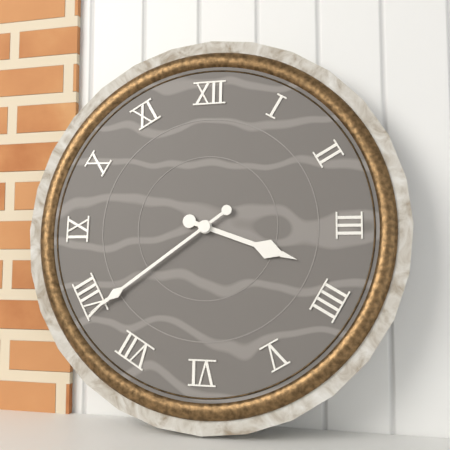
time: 3:39
